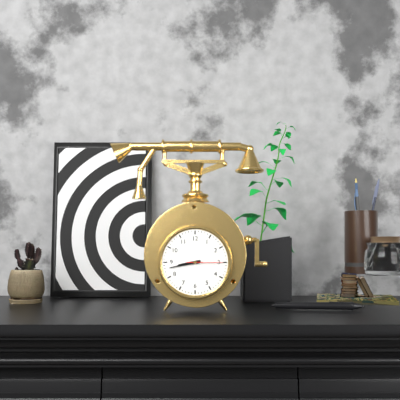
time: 8:43
